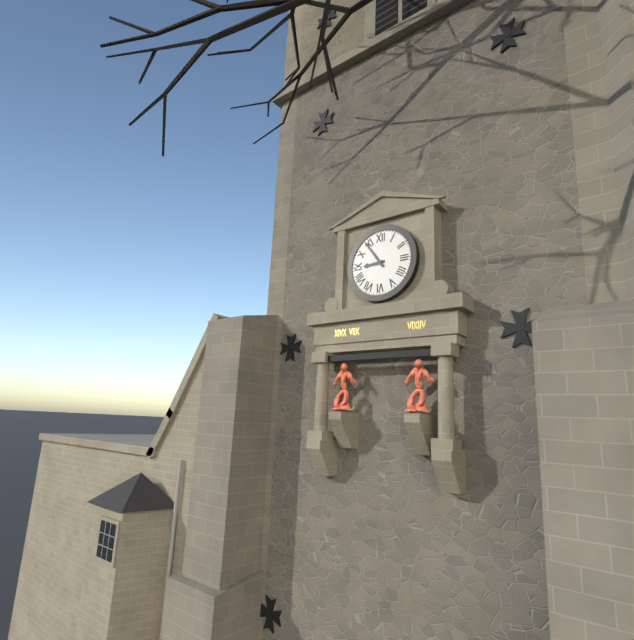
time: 8:54
